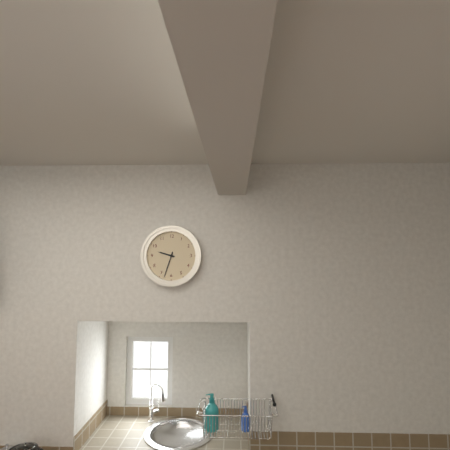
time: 9:33
